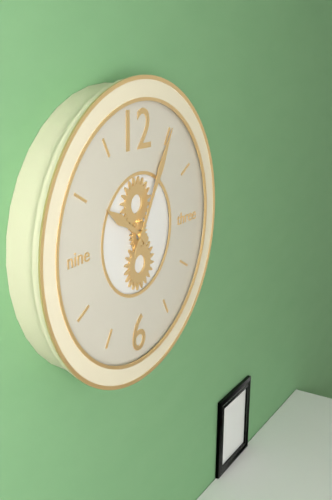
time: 10:05
